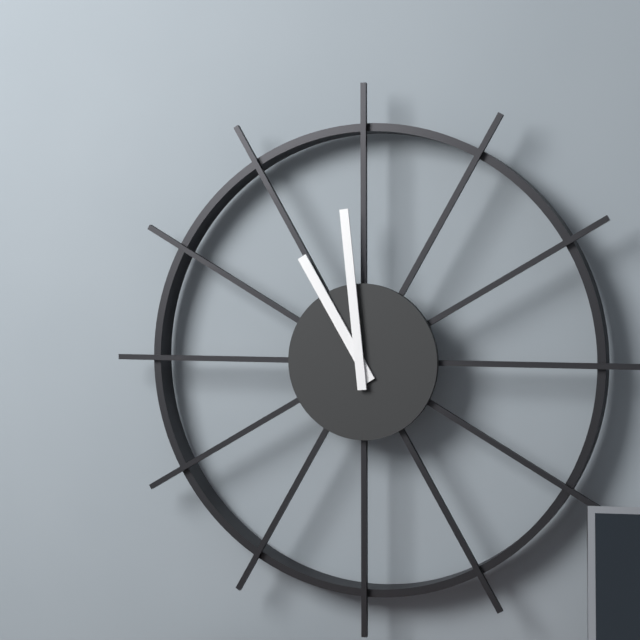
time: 10:59
